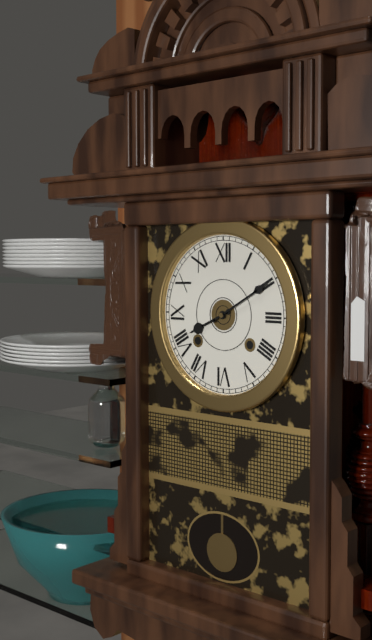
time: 8:10
